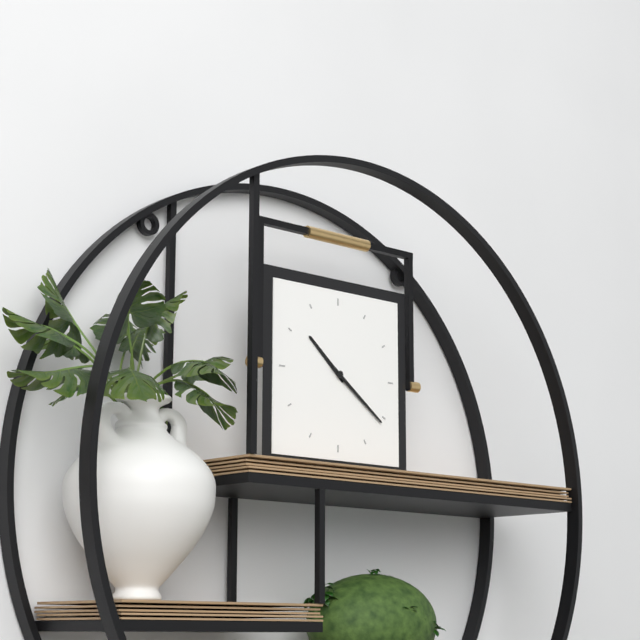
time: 10:21
